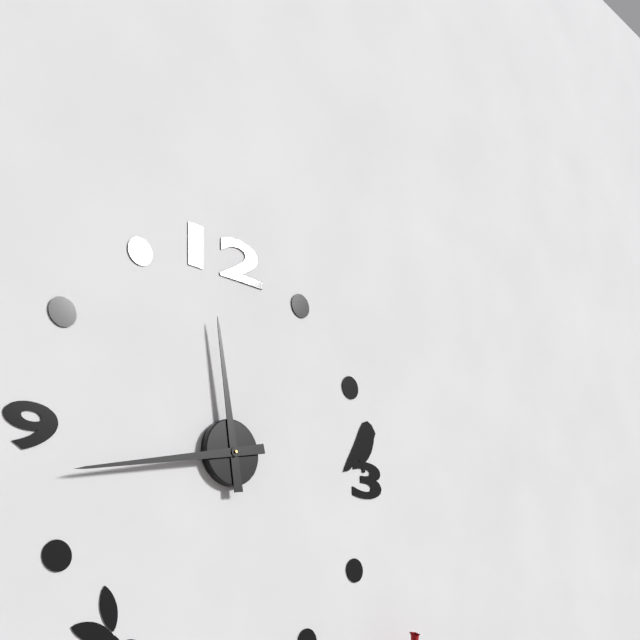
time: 11:43
